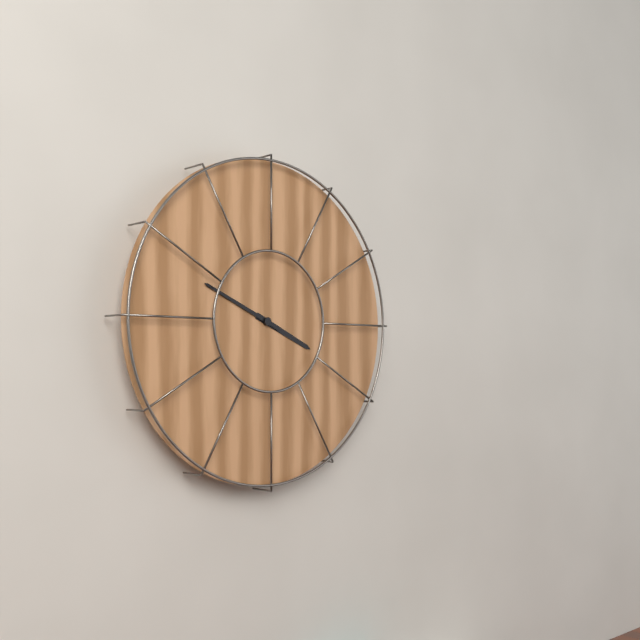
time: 3:49
